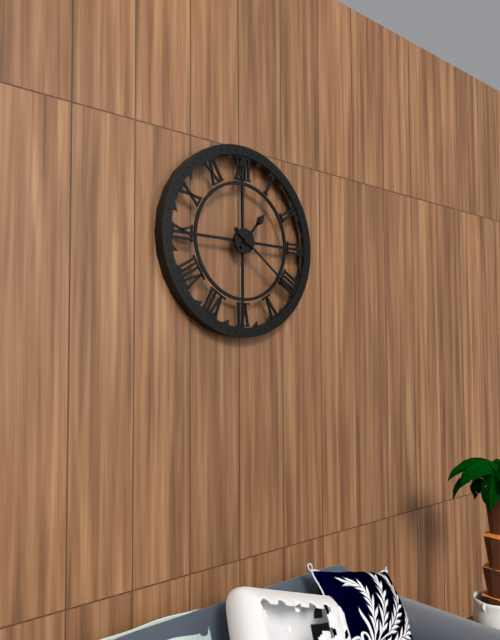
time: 1:21
